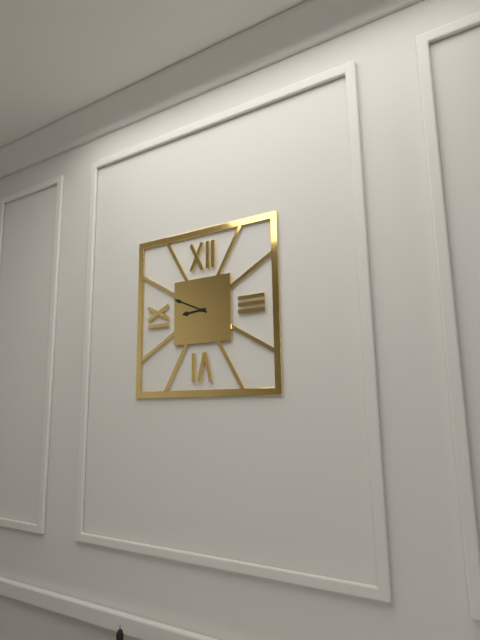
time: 8:49
